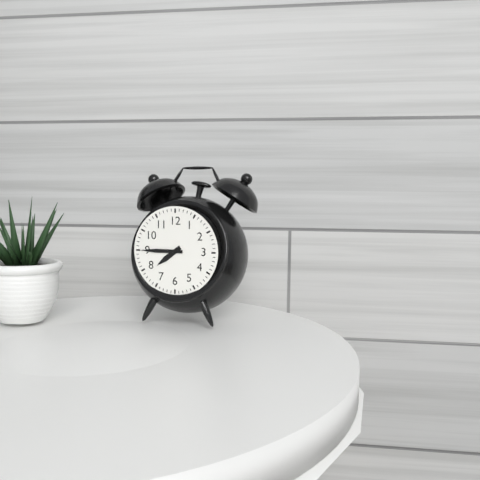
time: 7:45
